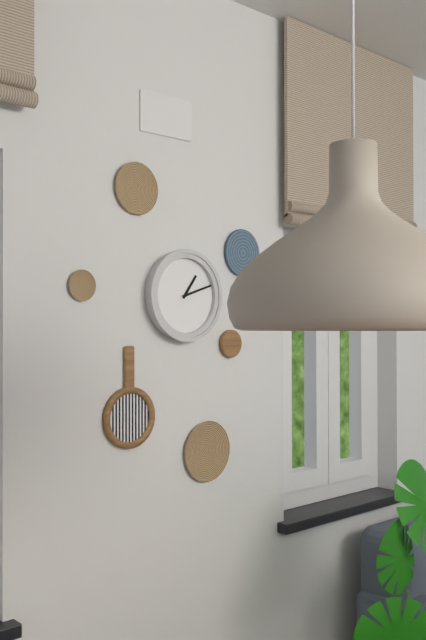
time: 1:12
